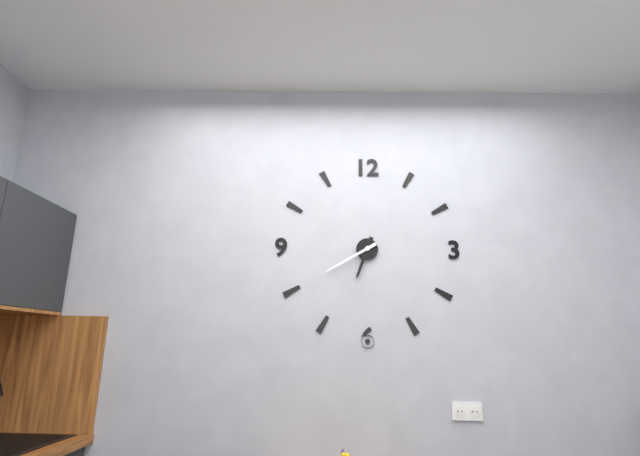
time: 6:40
